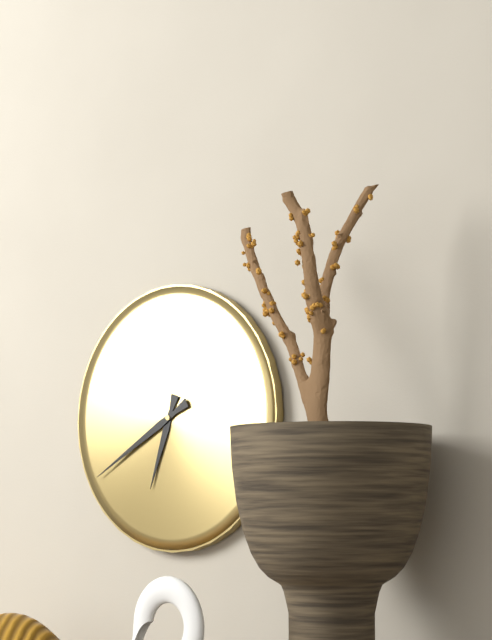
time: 6:40
